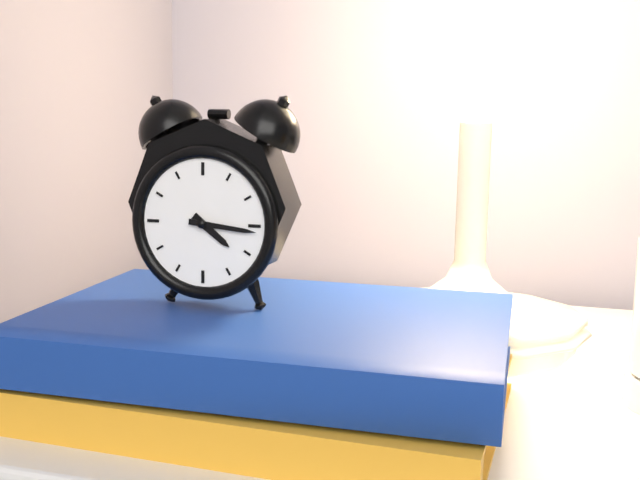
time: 4:16
